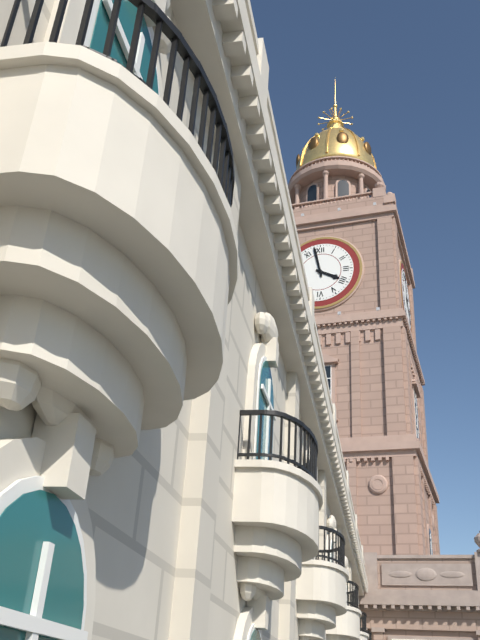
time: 3:58
